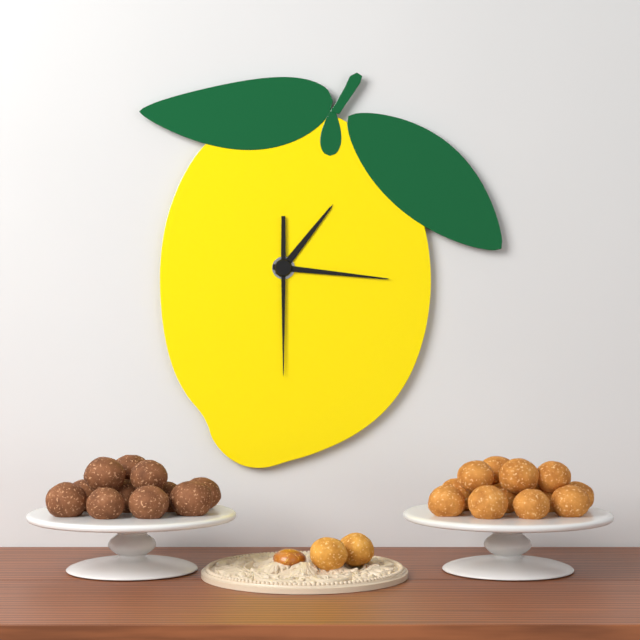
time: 1:16:30
